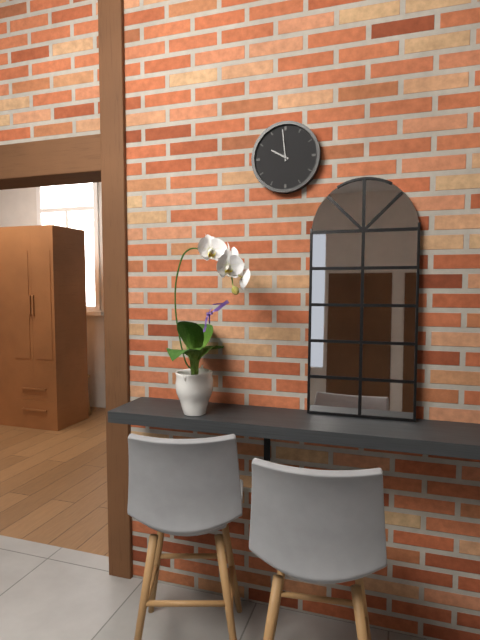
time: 9:59
